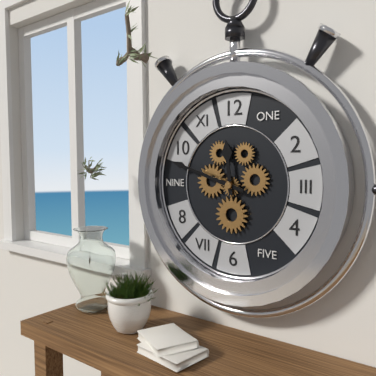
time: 11:48
